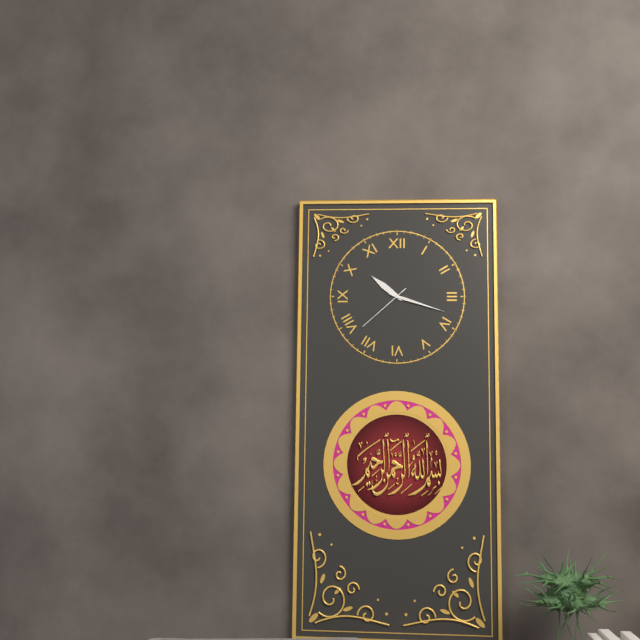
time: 10:18:38
